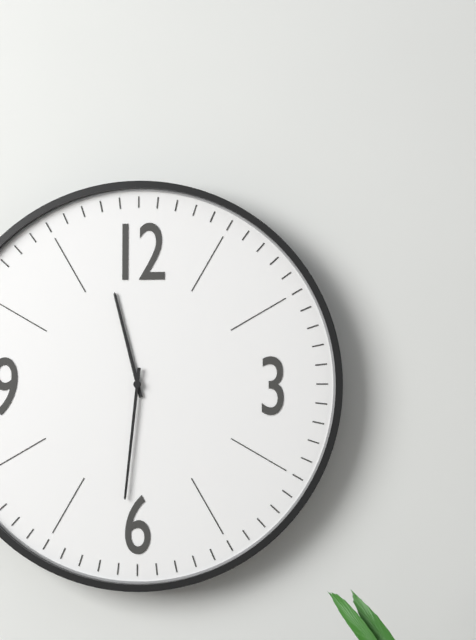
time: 11:31
